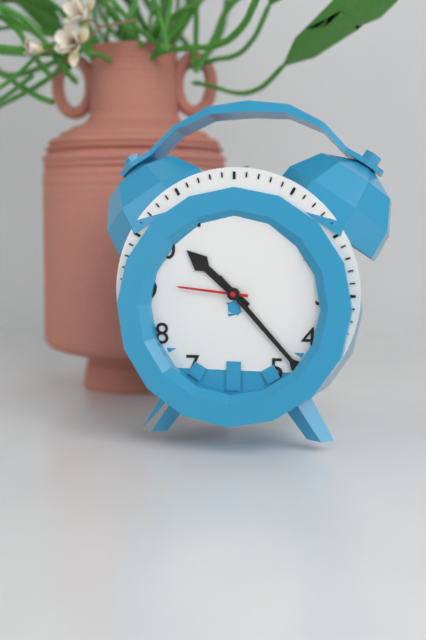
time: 10:23:46
